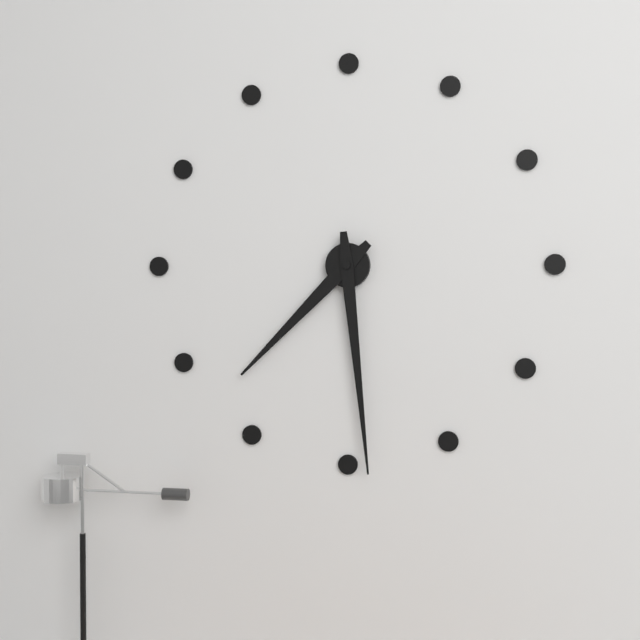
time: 7:29
